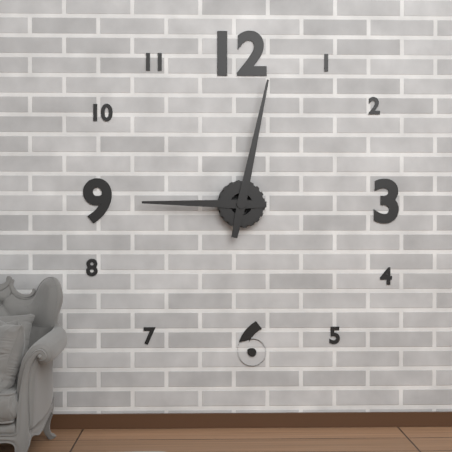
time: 9:02
